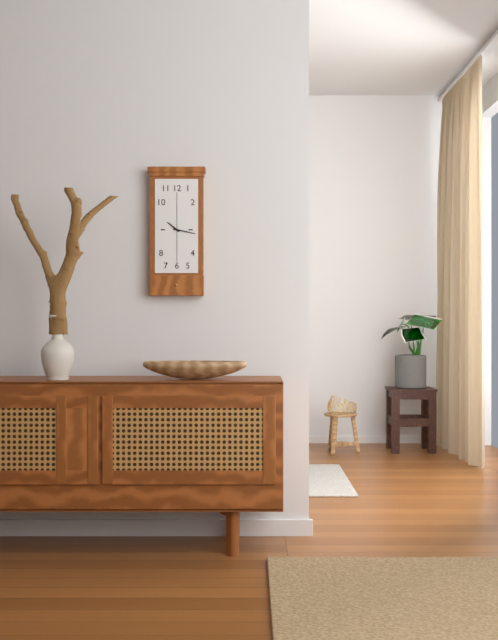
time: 10:17
